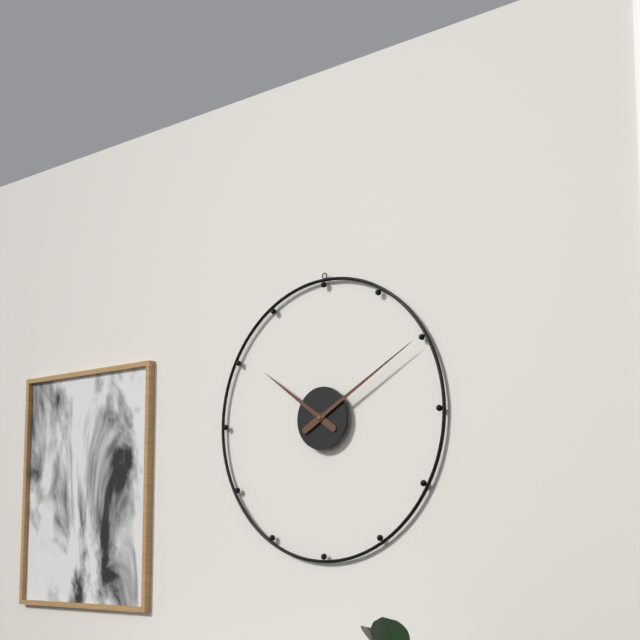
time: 10:10
